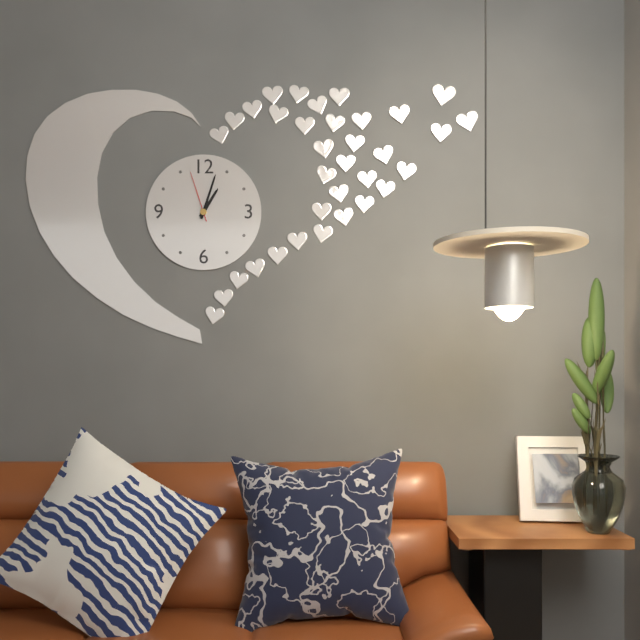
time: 1:03:57
